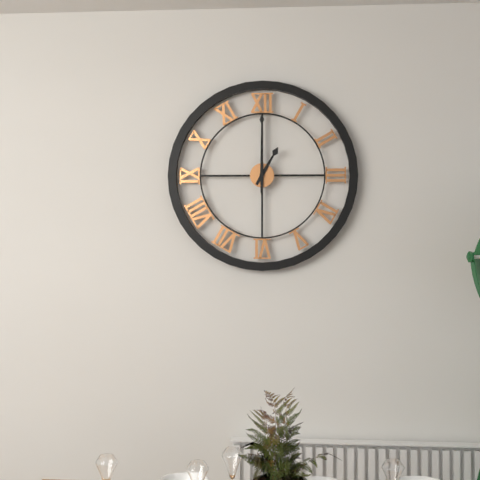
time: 1:00
